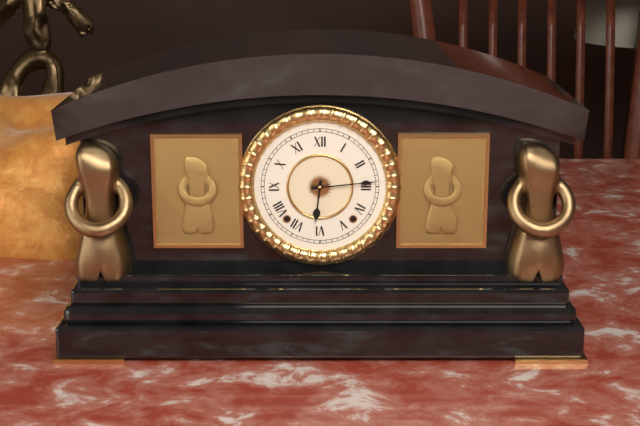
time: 6:14
